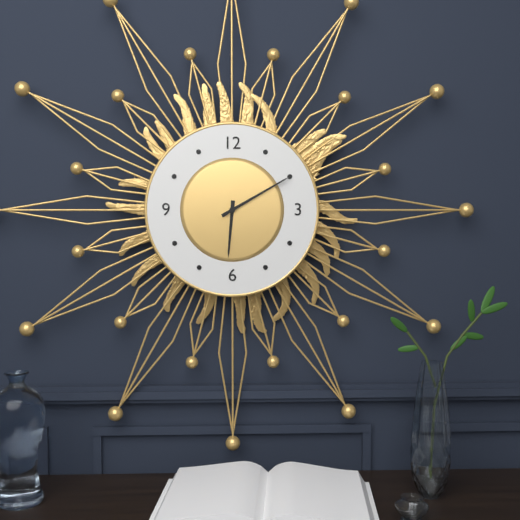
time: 6:10
